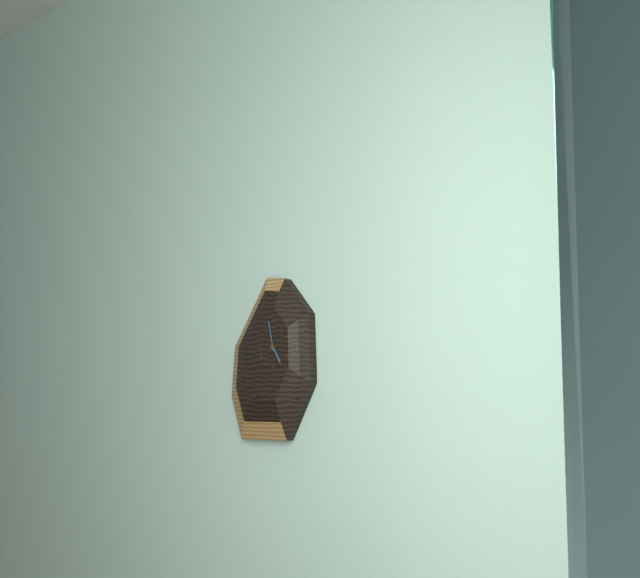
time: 4:58
